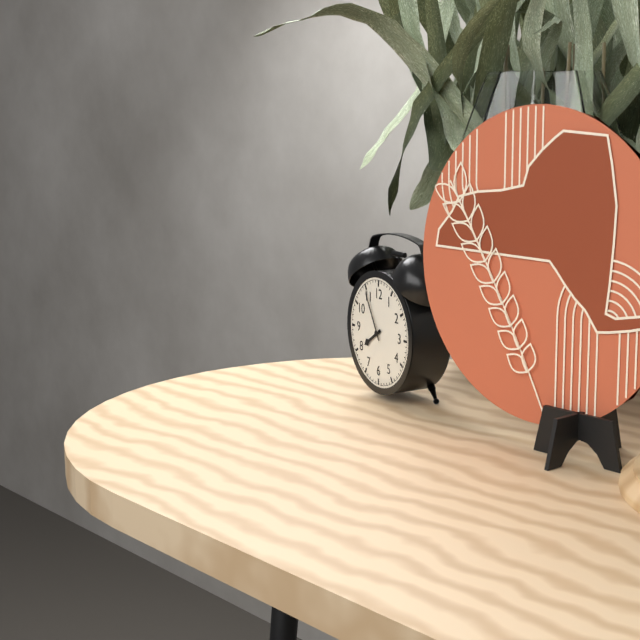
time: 7:55
